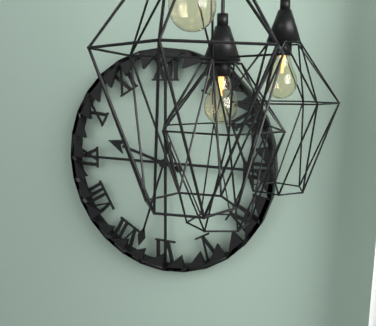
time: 9:33
